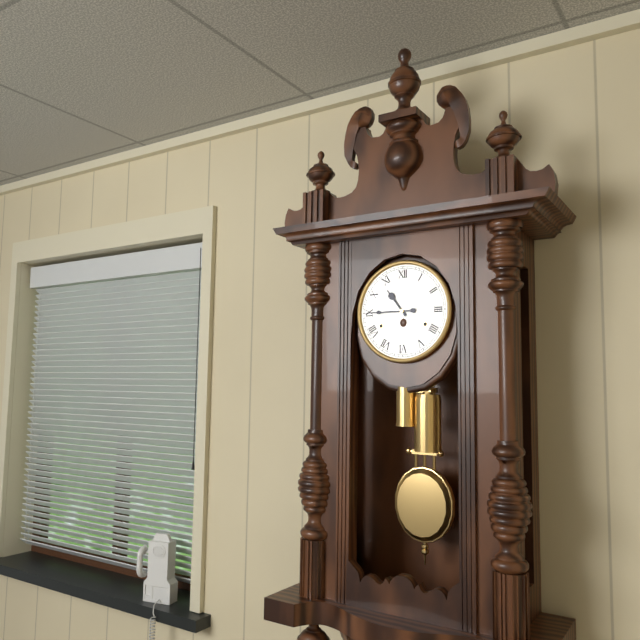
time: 10:45
